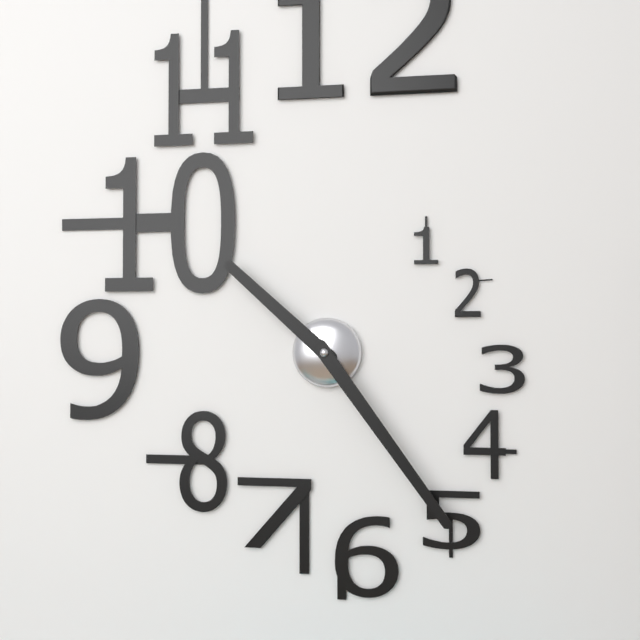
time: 10:24
